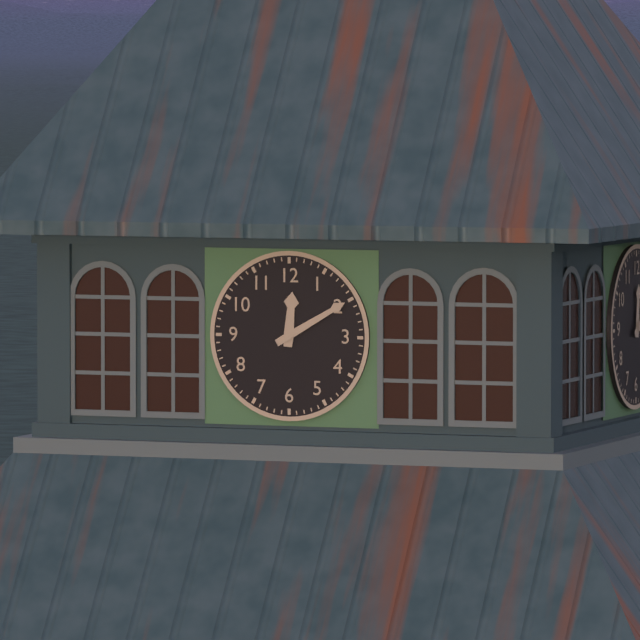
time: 12:10
